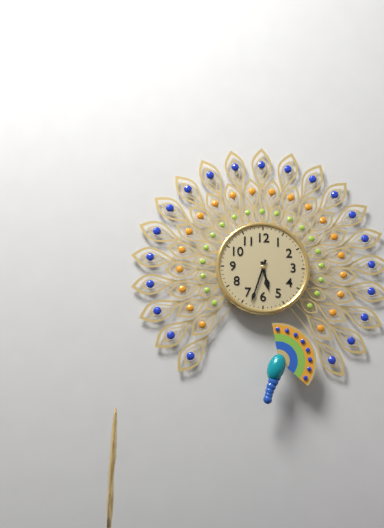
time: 5:33
